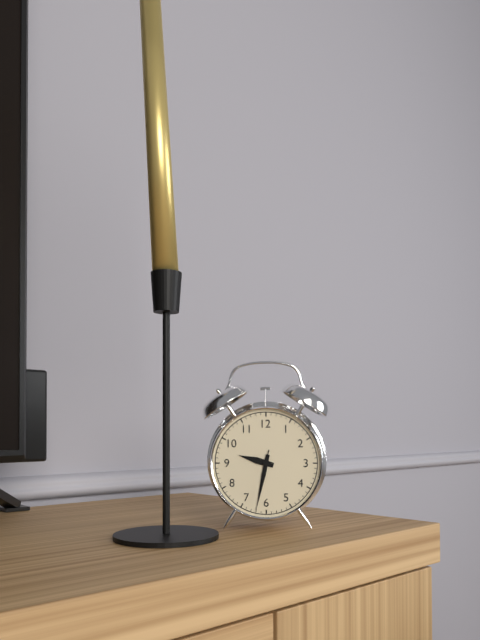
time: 9:32:32
